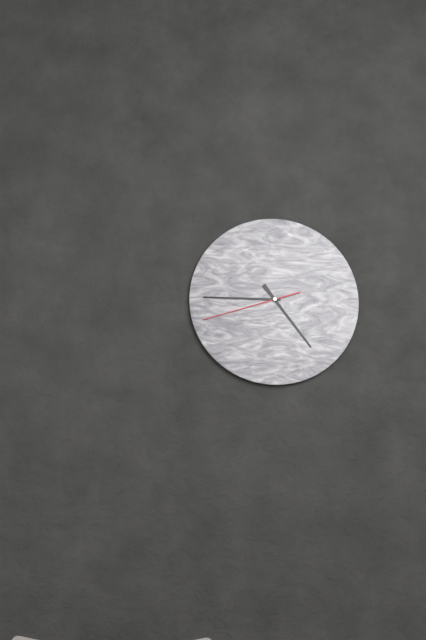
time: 4:45:42
